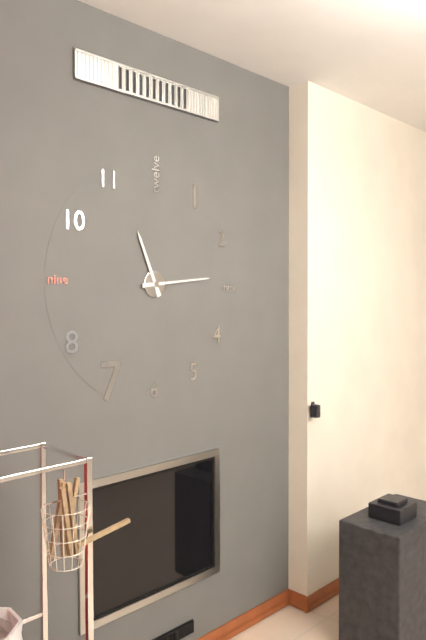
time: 11:14
